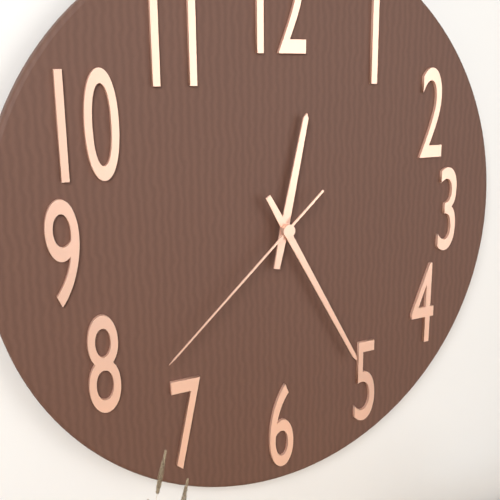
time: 12:25:38
